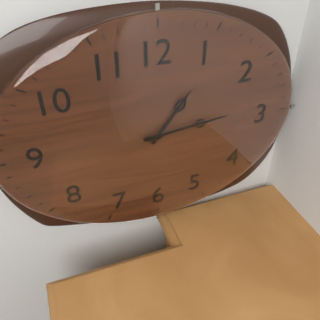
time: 1:14
